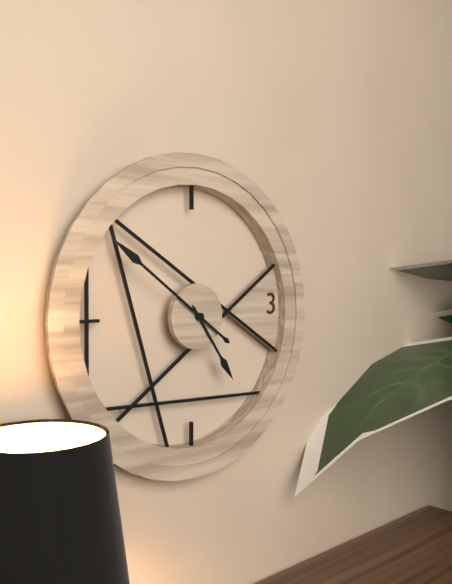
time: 4:51
